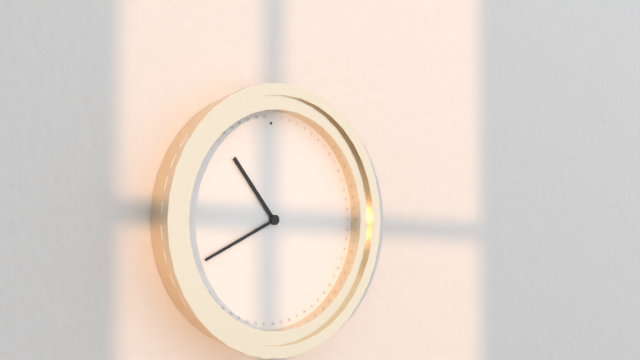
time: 10:41
